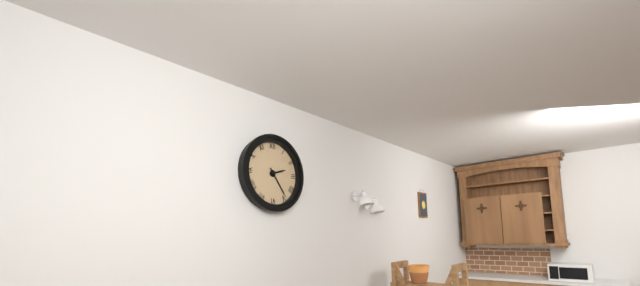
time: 2:24
